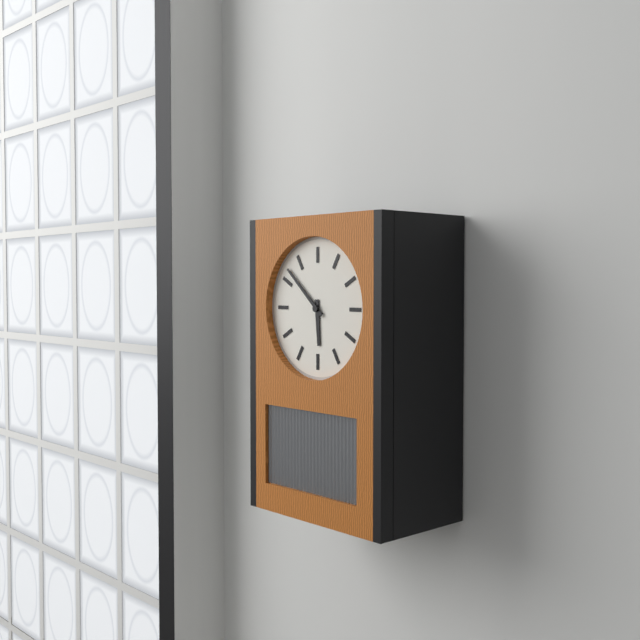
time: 5:52
